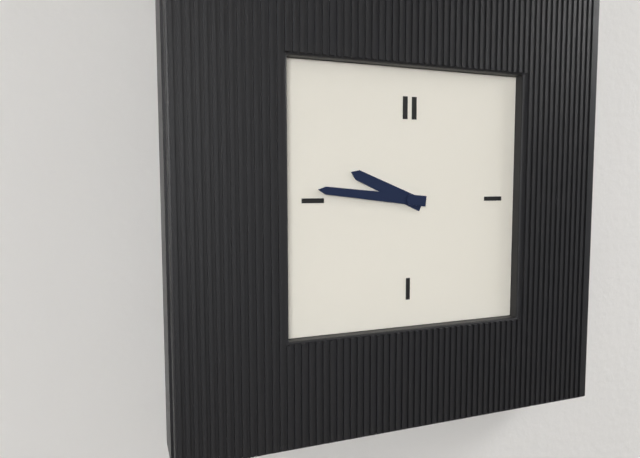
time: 9:46
